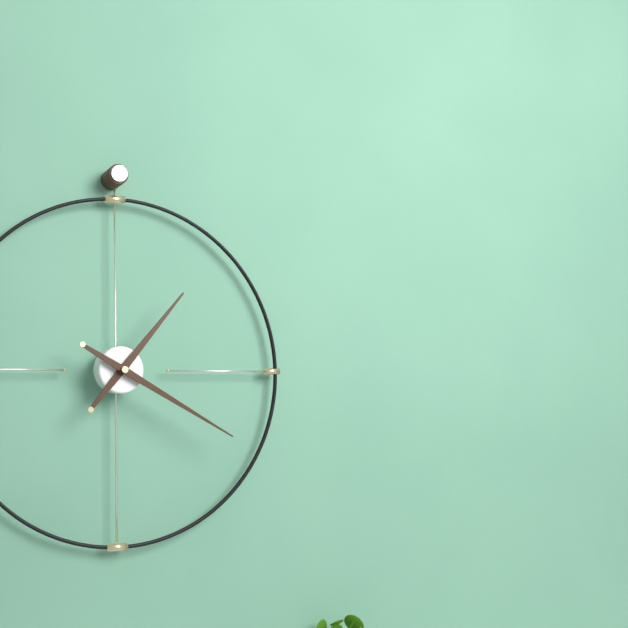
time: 1:20
